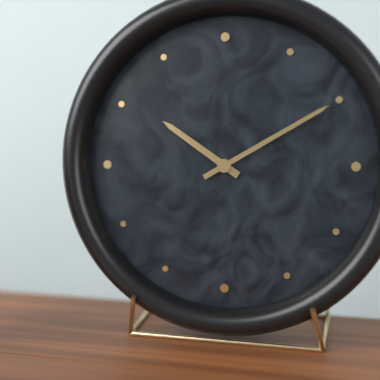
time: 10:10
